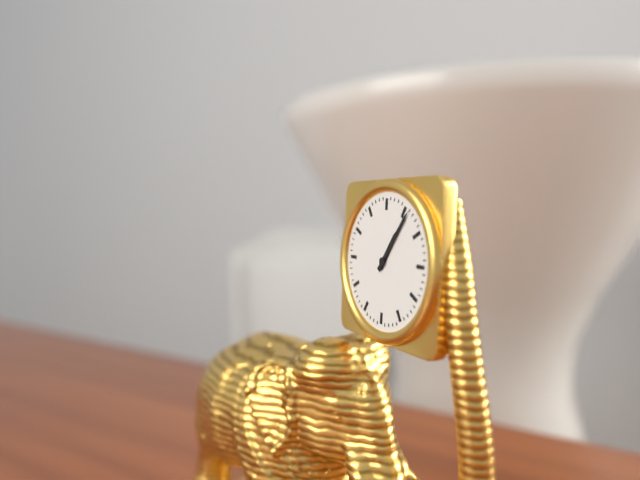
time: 1:06
